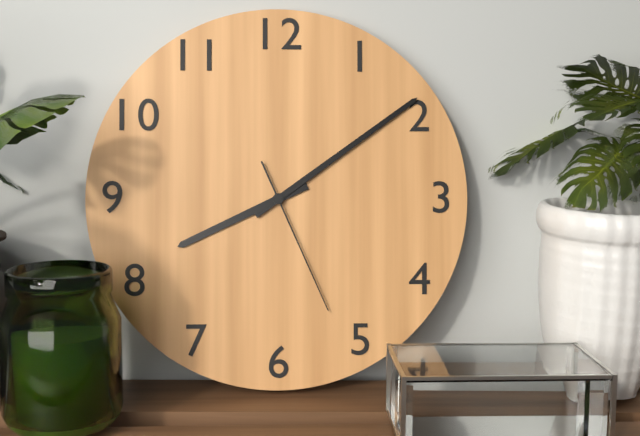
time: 8:09:26
